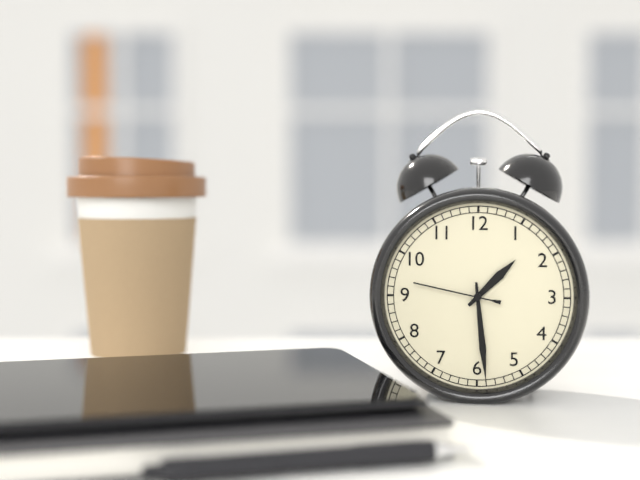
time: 1:29:47
